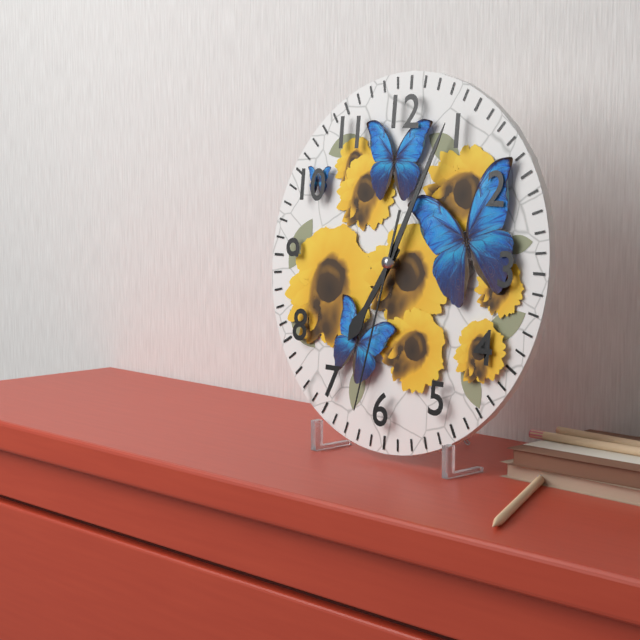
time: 7:04:32
